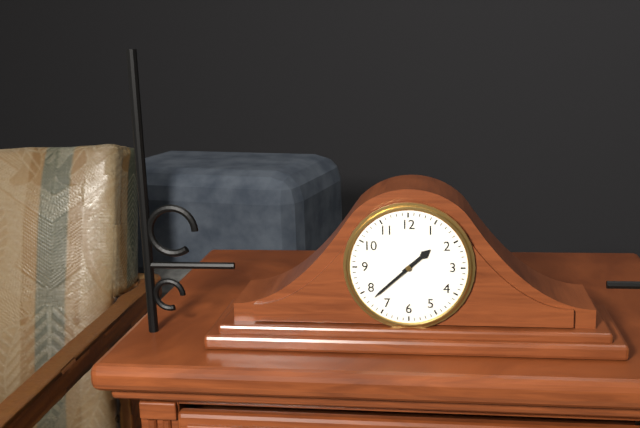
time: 1:38
